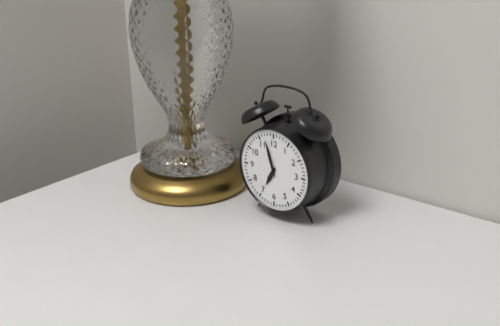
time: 6:57
